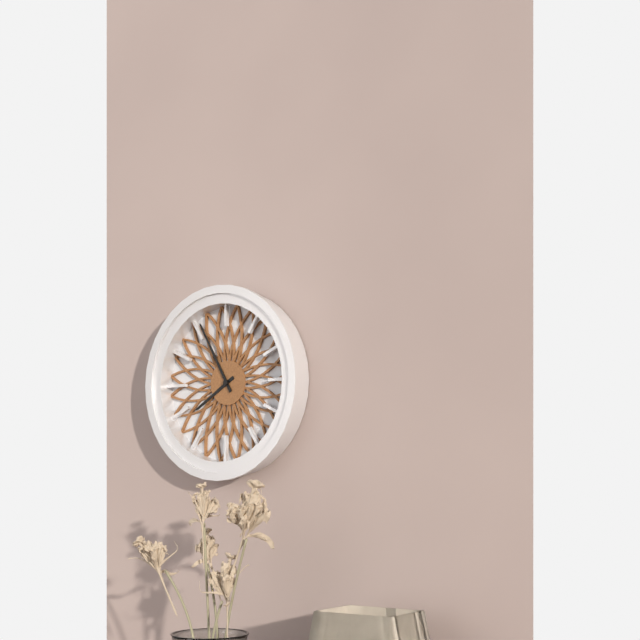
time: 7:55
